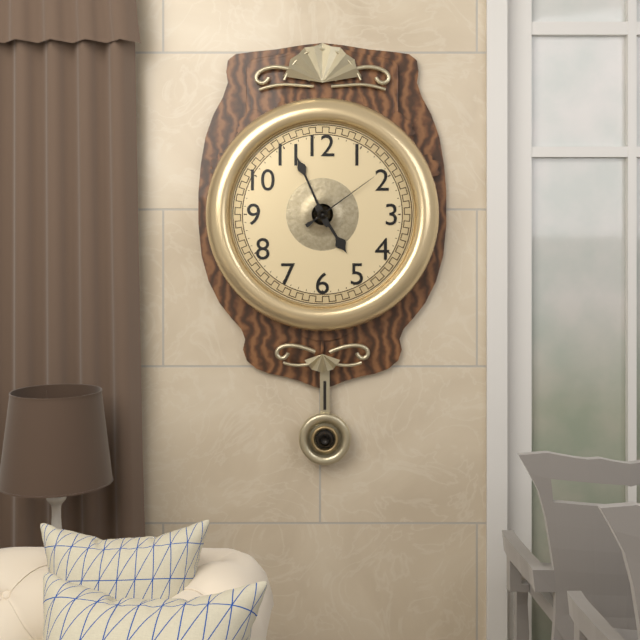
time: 4:56:09
